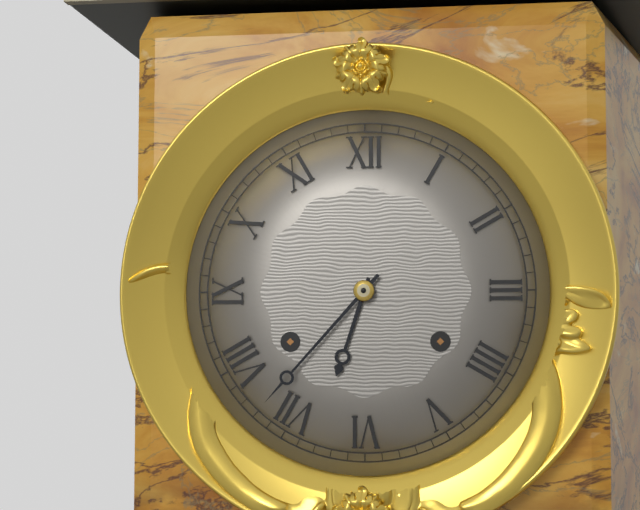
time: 6:37
